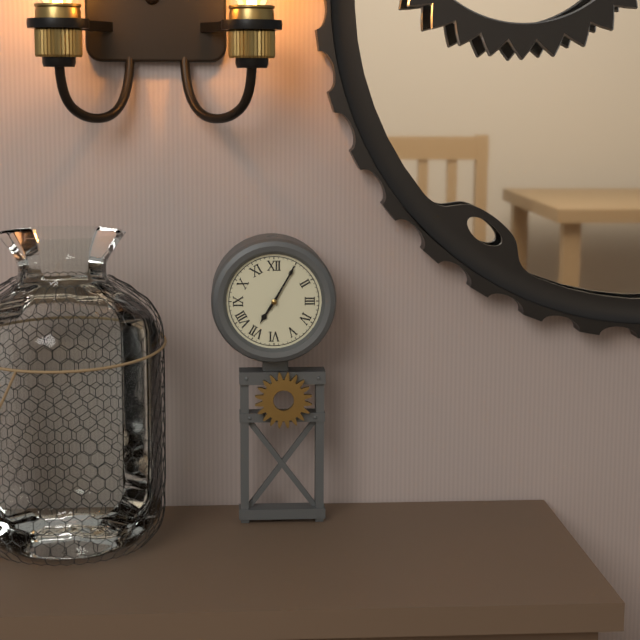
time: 7:05
